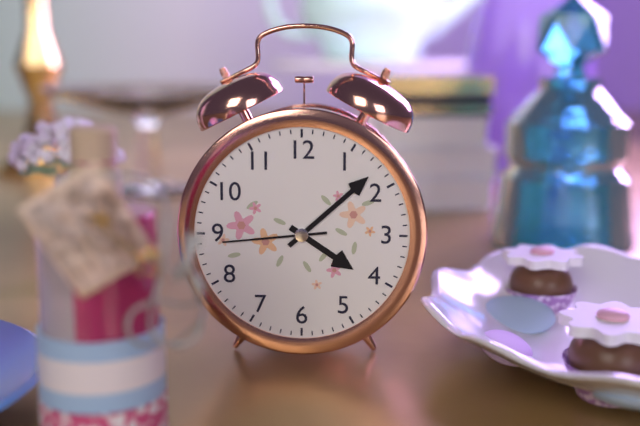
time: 4:08:44
